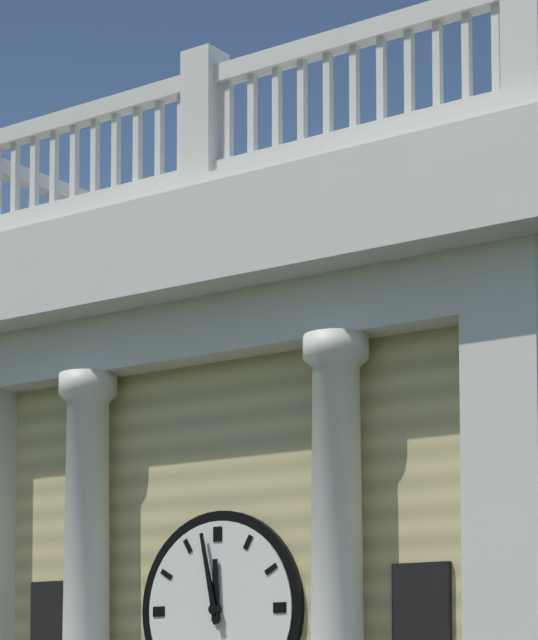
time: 11:58
